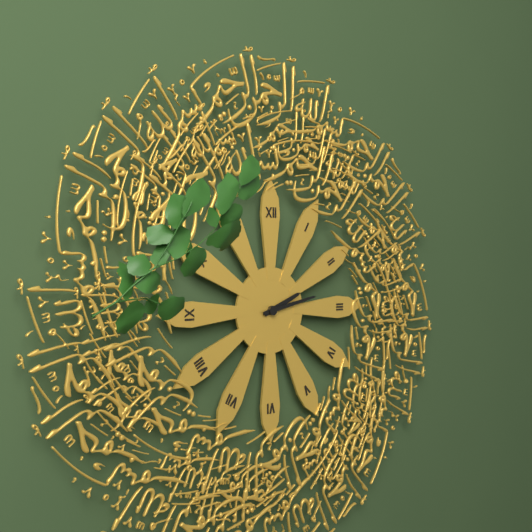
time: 2:13
